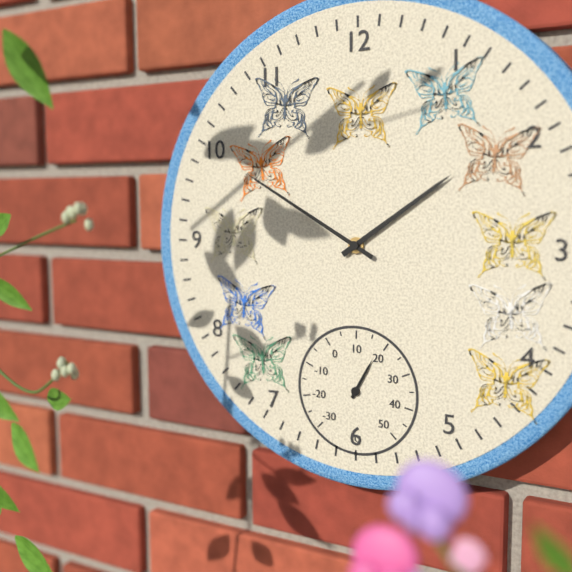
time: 1:50
